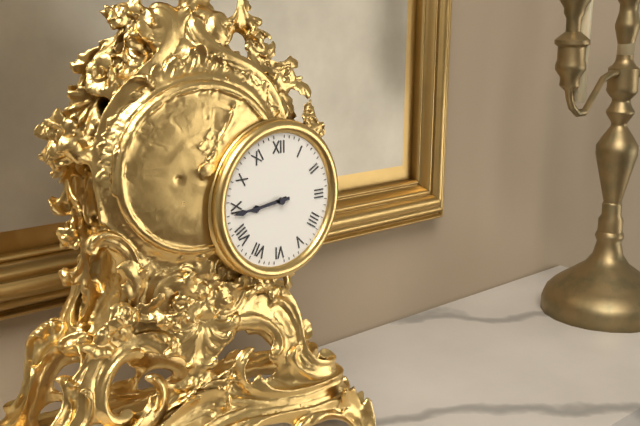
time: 8:44
